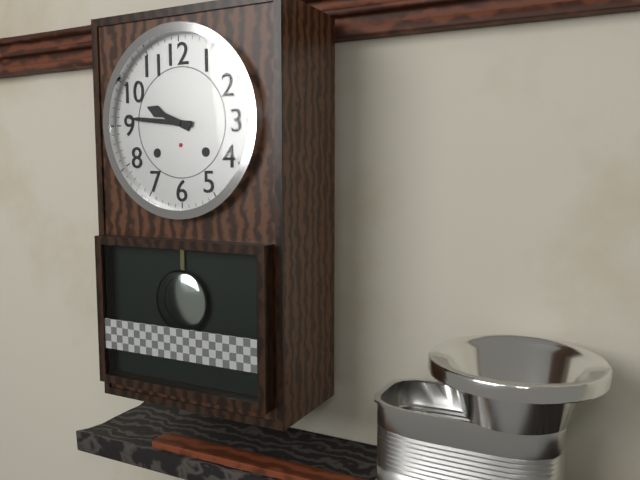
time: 9:46
